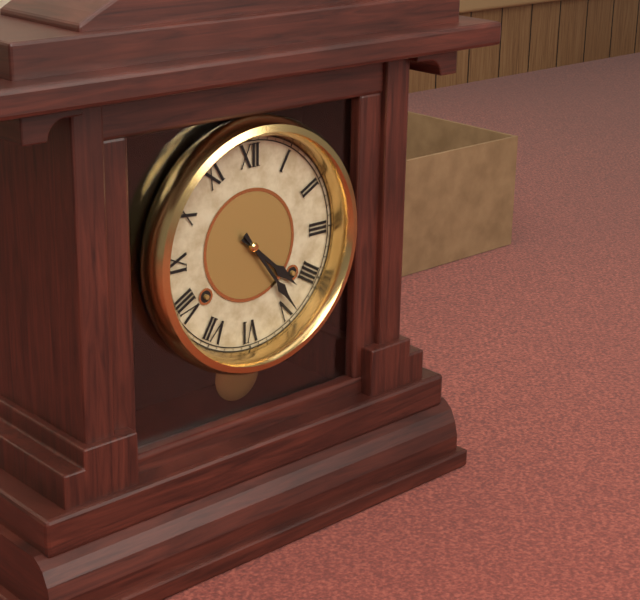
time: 4:24
